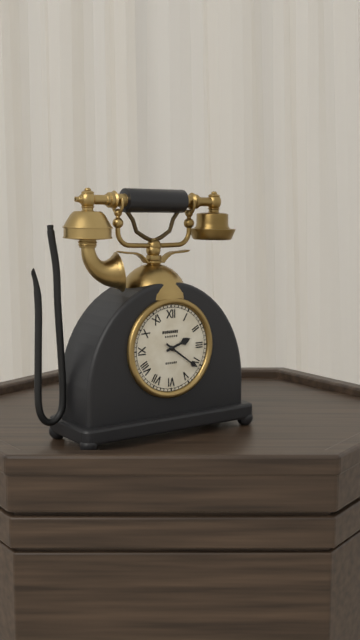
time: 2:21
